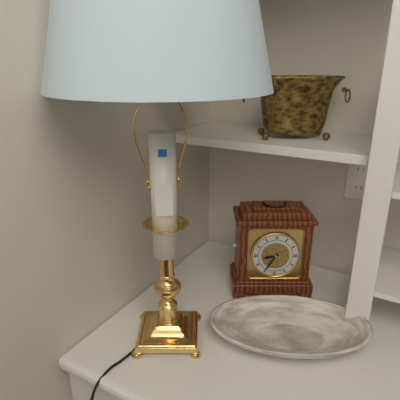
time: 8:35
